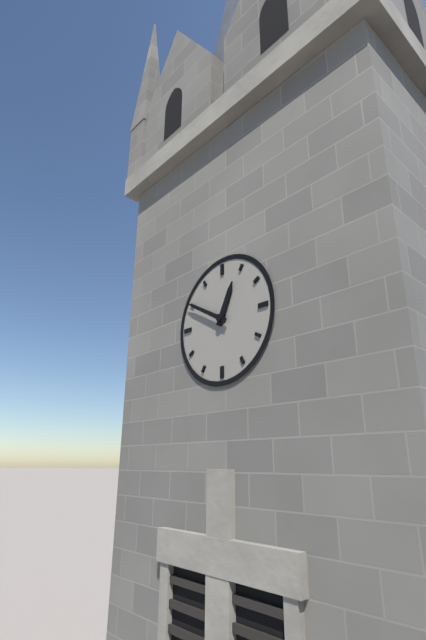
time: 12:50
